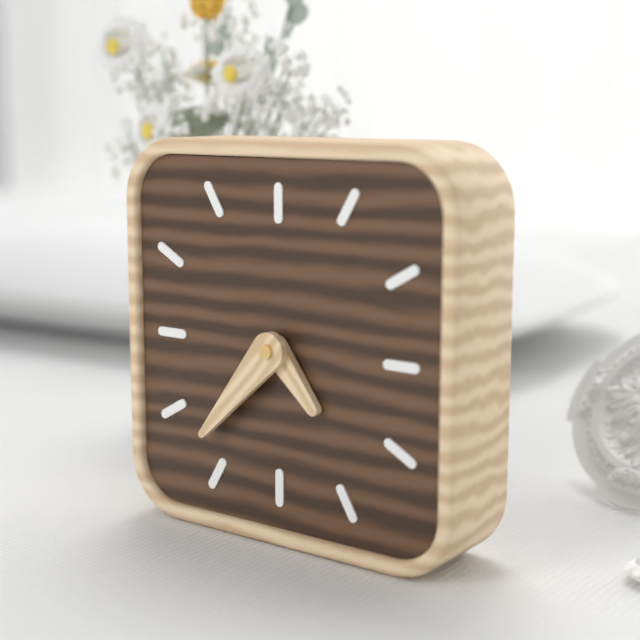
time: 4:37
